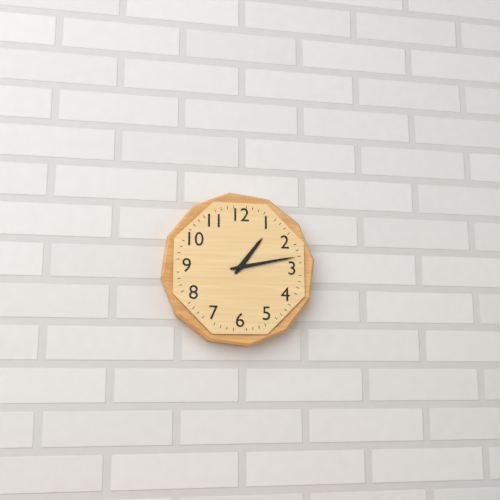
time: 1:13
